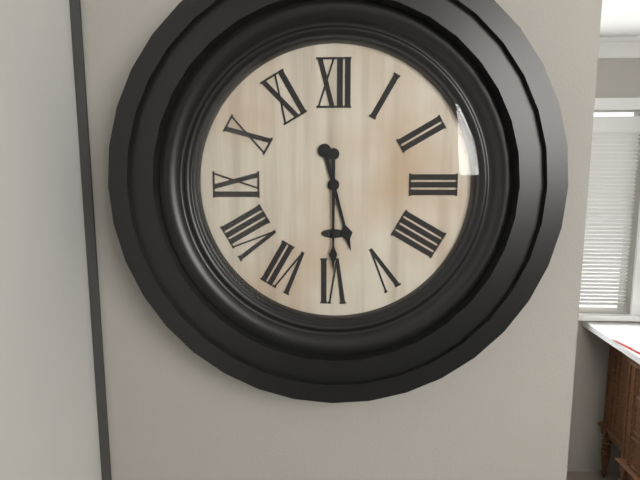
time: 5:30
